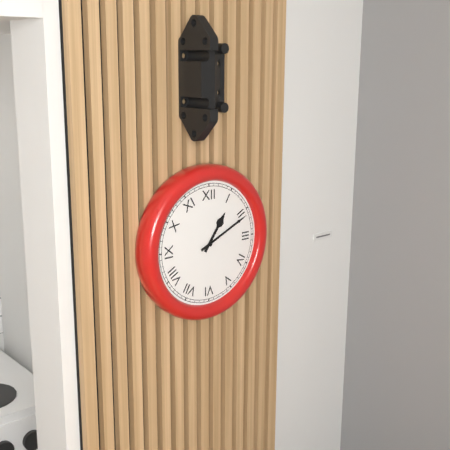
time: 1:11
